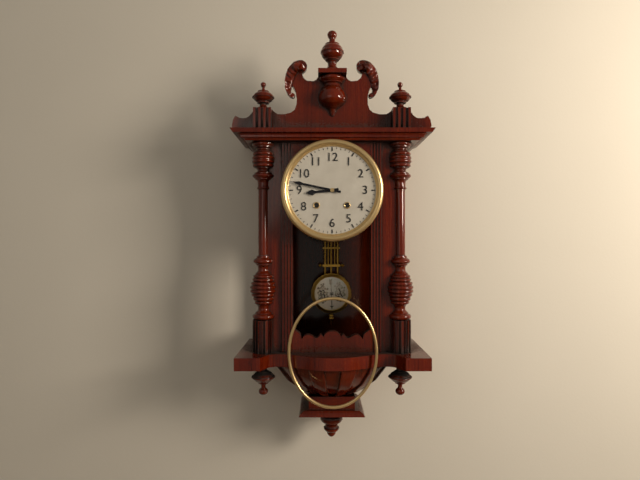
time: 8:47
